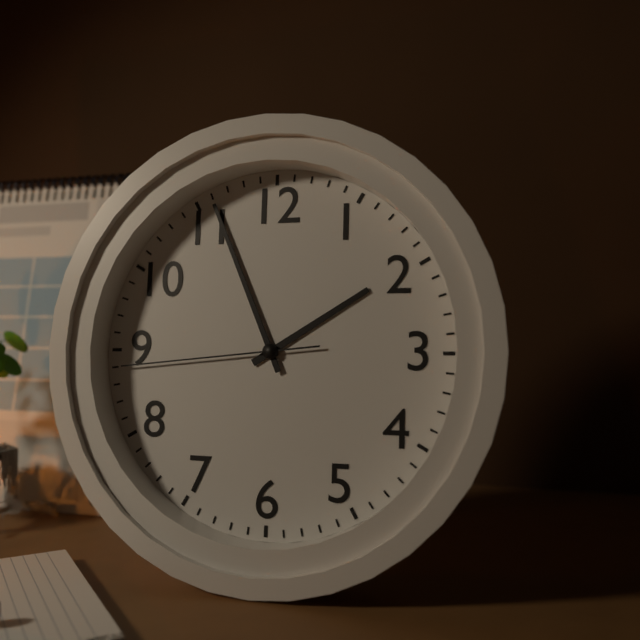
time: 1:56:44
